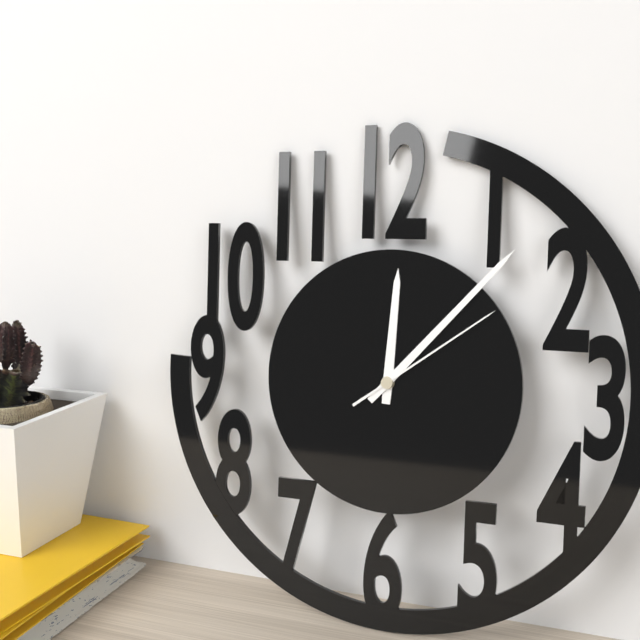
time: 12:07:09
